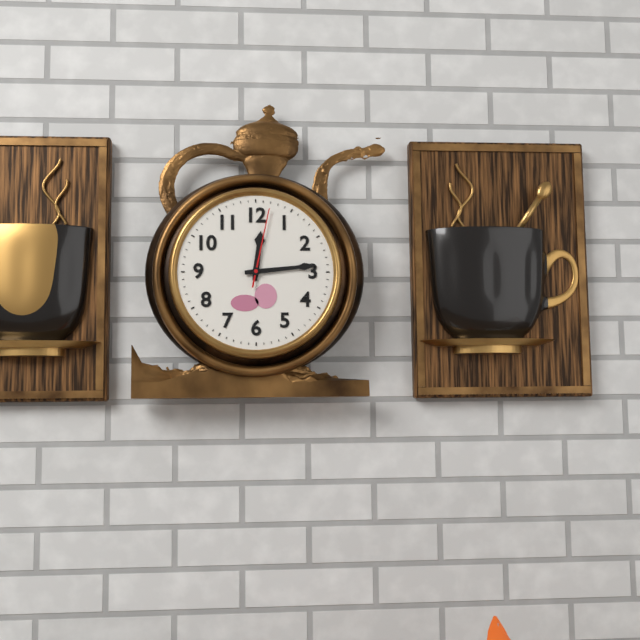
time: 12:14:02
